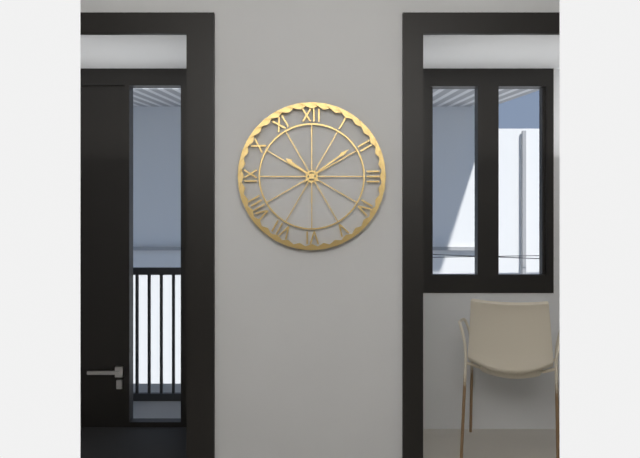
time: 10:09
